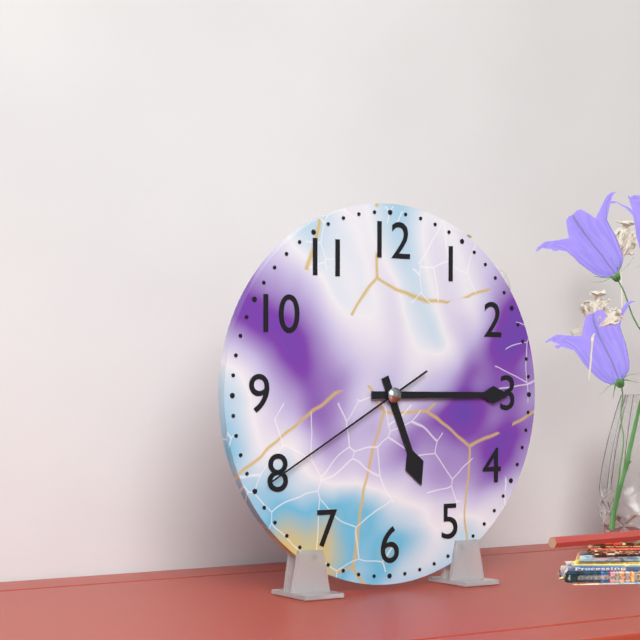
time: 5:15:40
